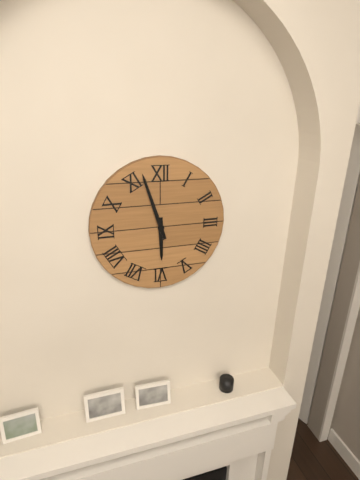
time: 5:57
